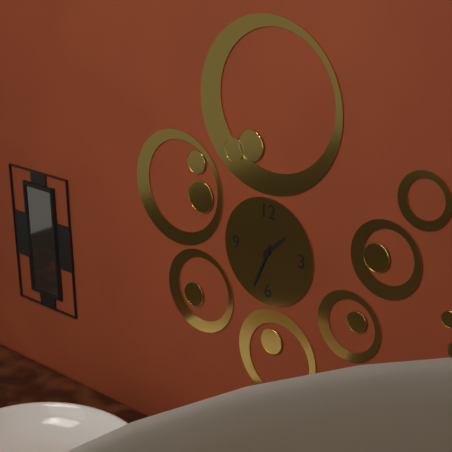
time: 1:34
